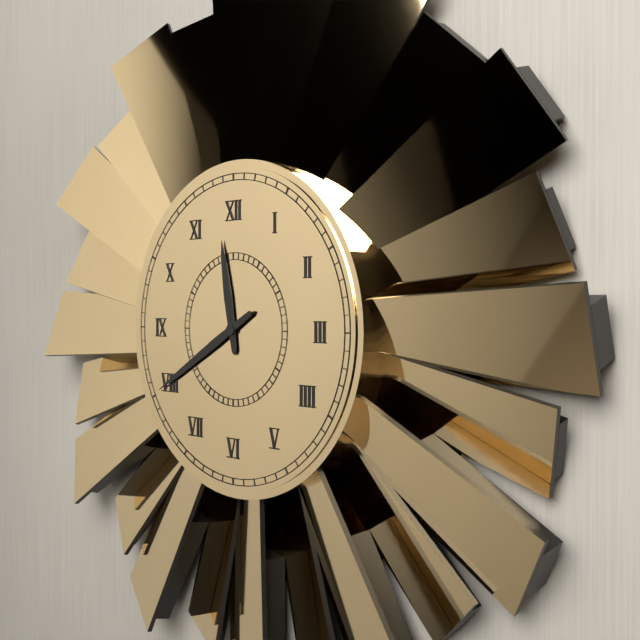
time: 11:40
